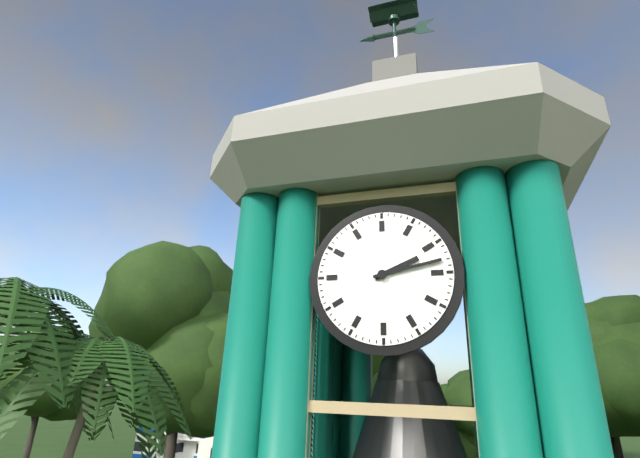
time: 2:13
